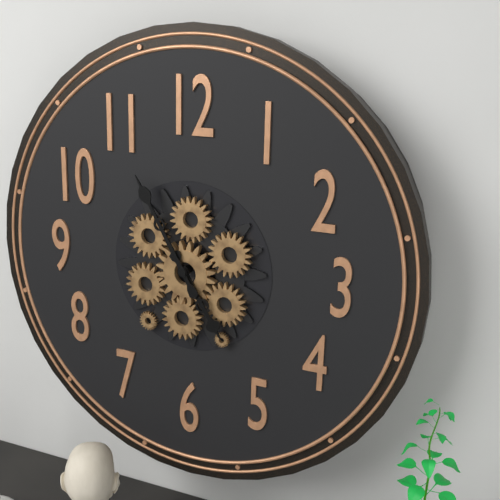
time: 4:55
